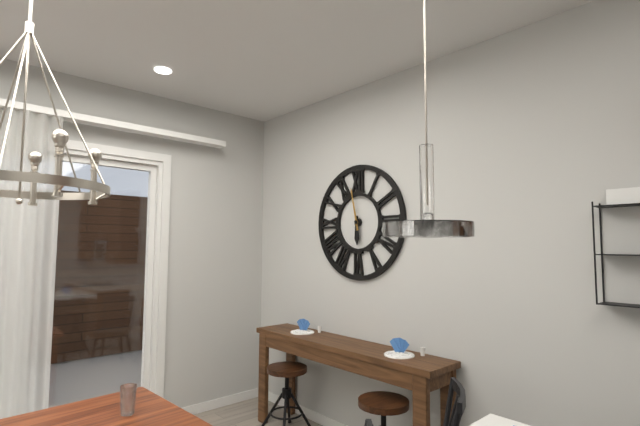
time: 5:58
